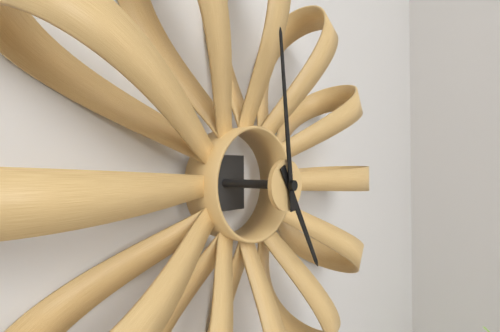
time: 4:59
